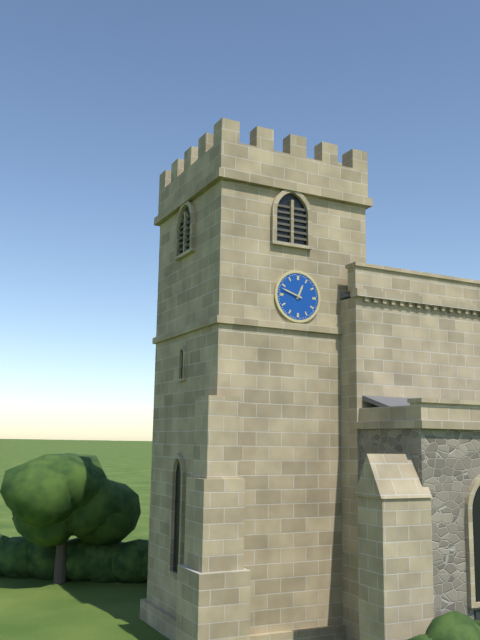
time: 12:48
